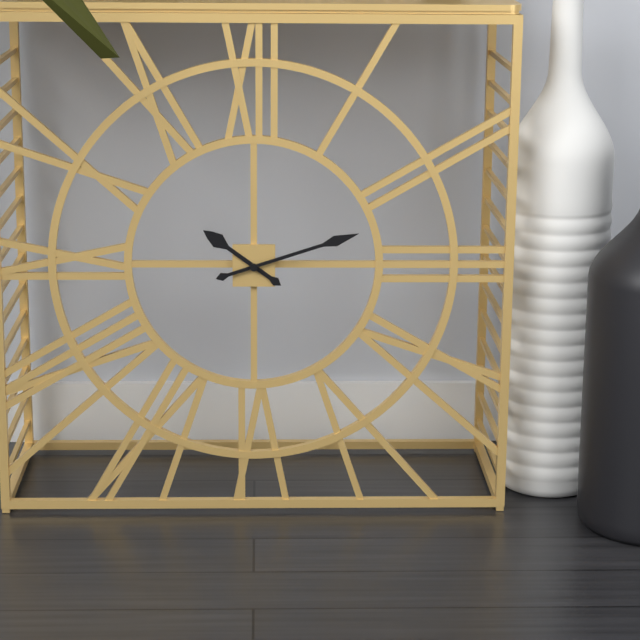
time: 10:12
